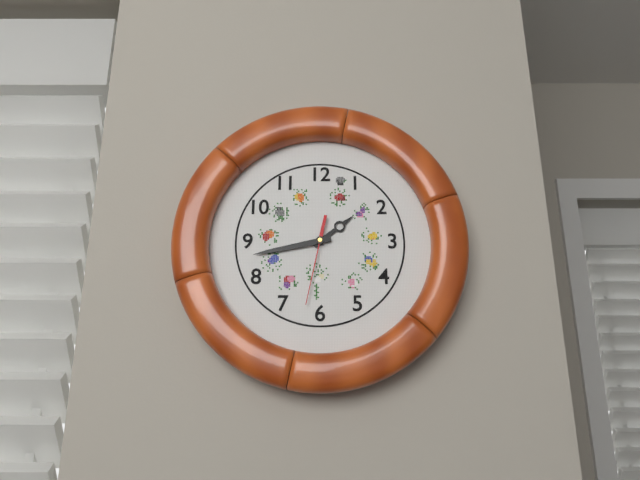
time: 1:43:32
